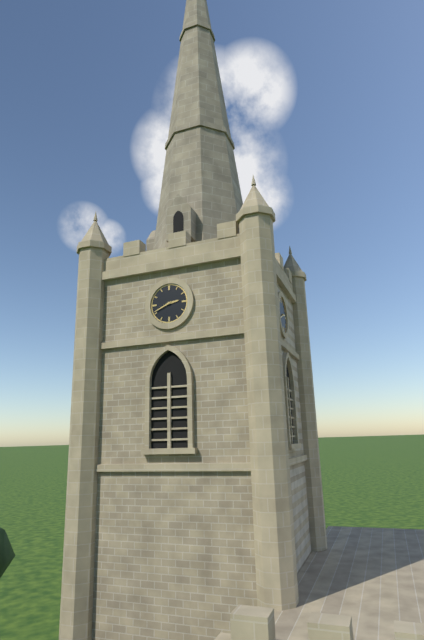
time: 2:41
